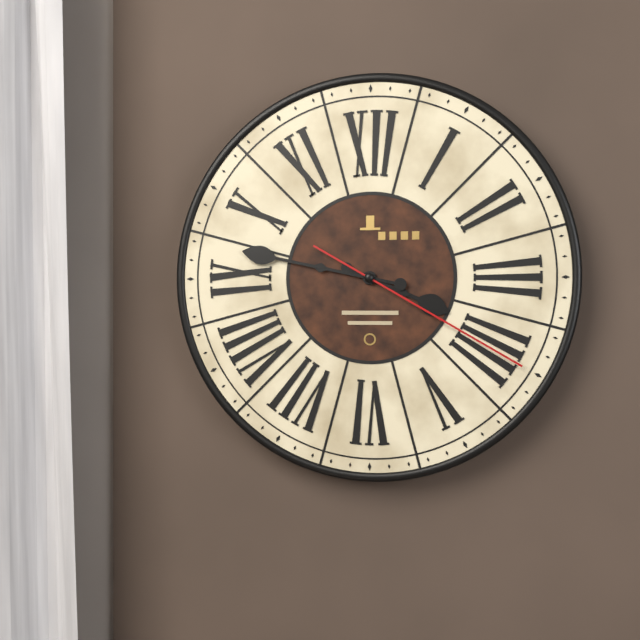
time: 3:47:20
